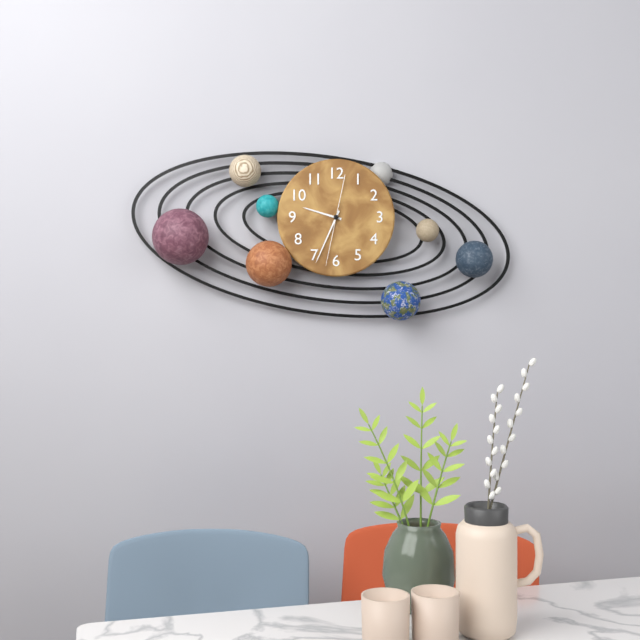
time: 9:34:32
